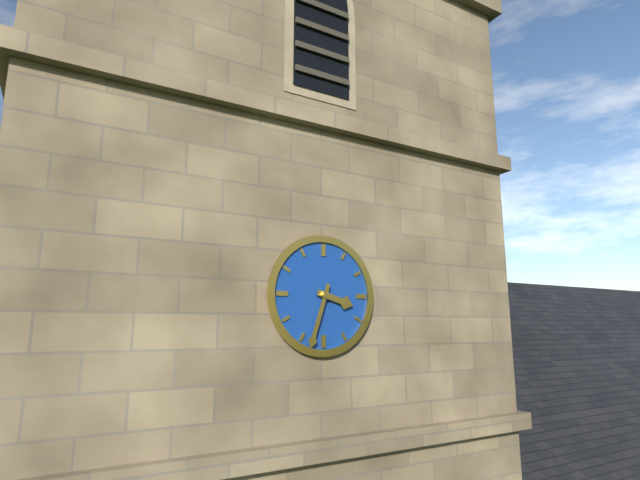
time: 3:33
